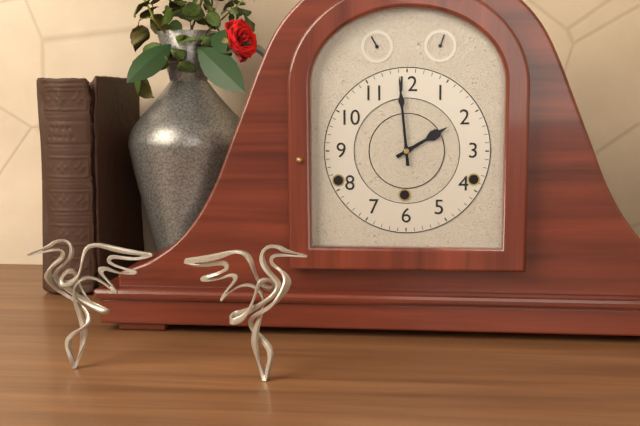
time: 1:59
